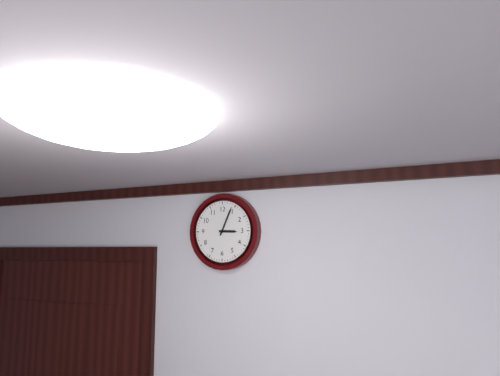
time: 3:04
